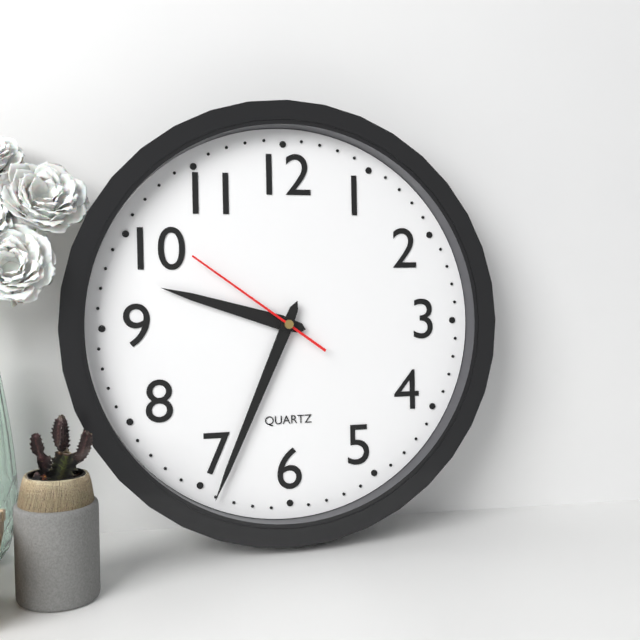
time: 9:34:51
